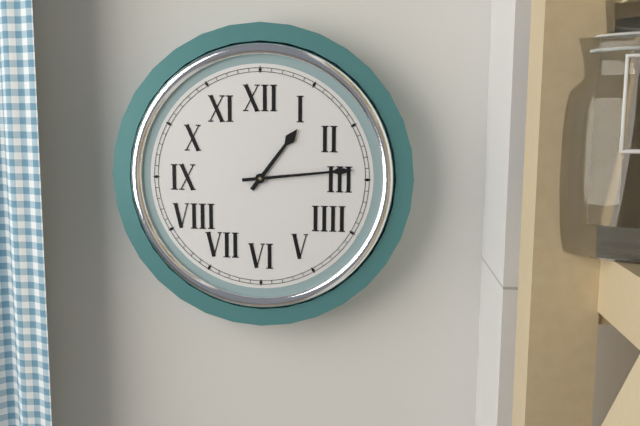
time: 1:14
